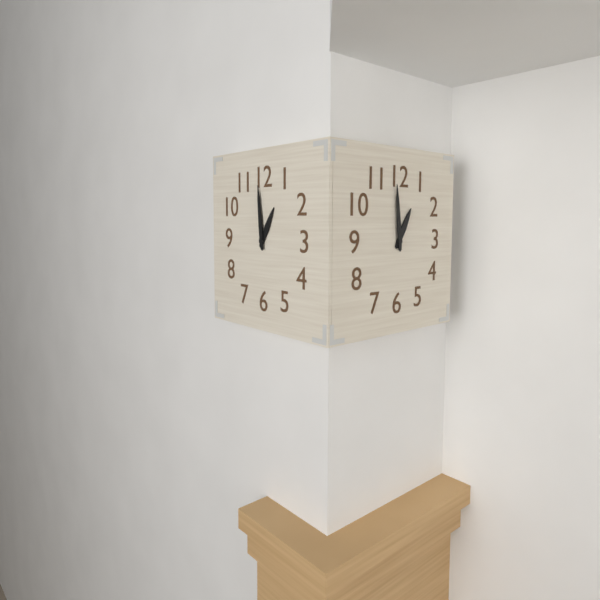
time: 12:59
